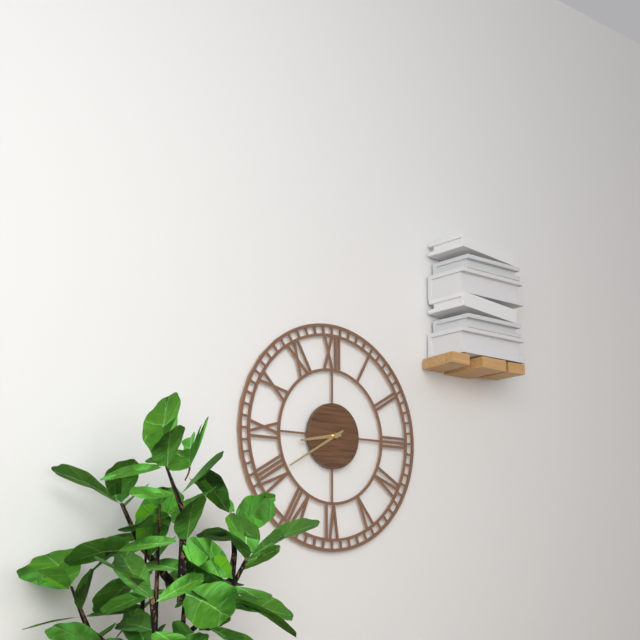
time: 8:40
